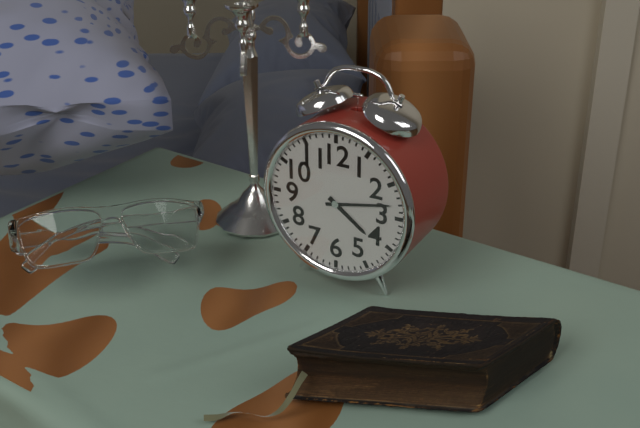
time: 4:13
